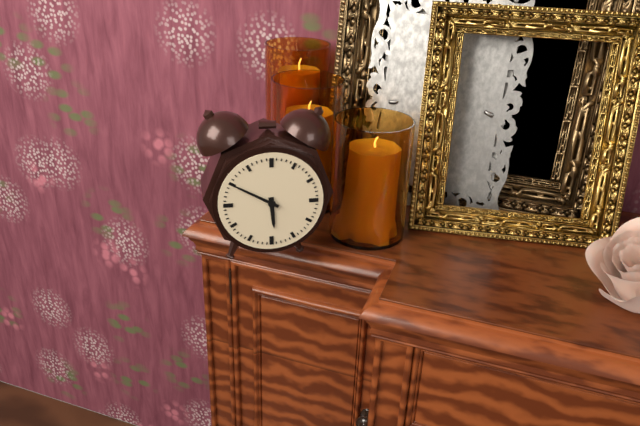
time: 5:50
